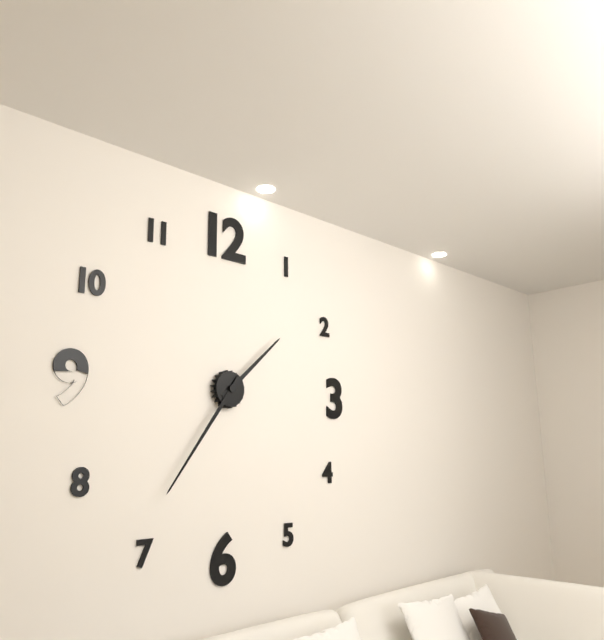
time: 1:36
